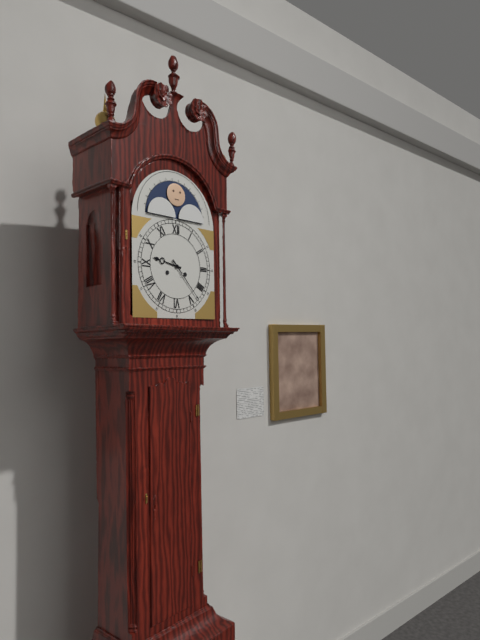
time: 9:23
